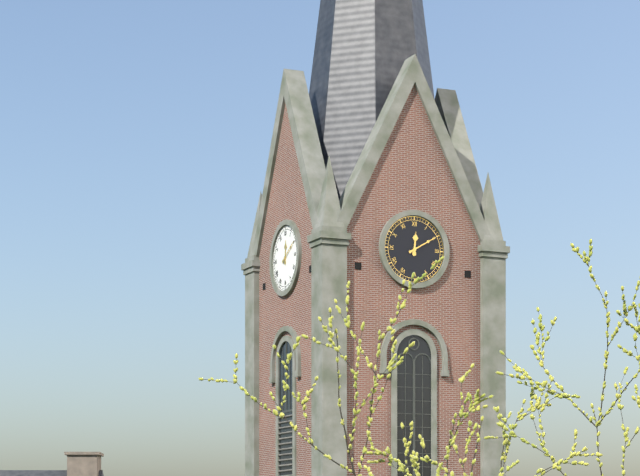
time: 12:10
